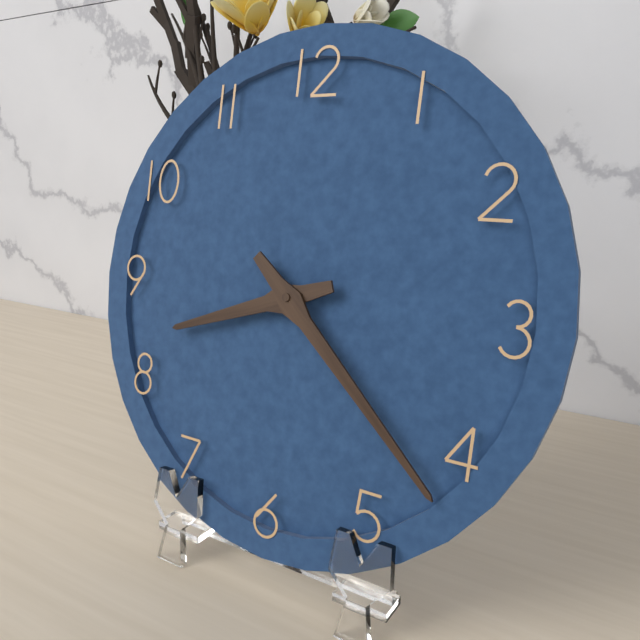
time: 8:22
